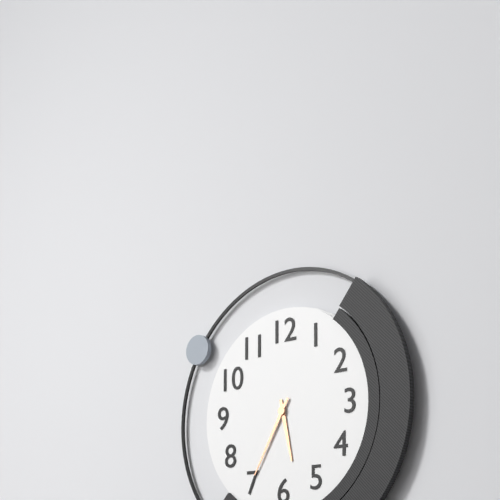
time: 5:35
